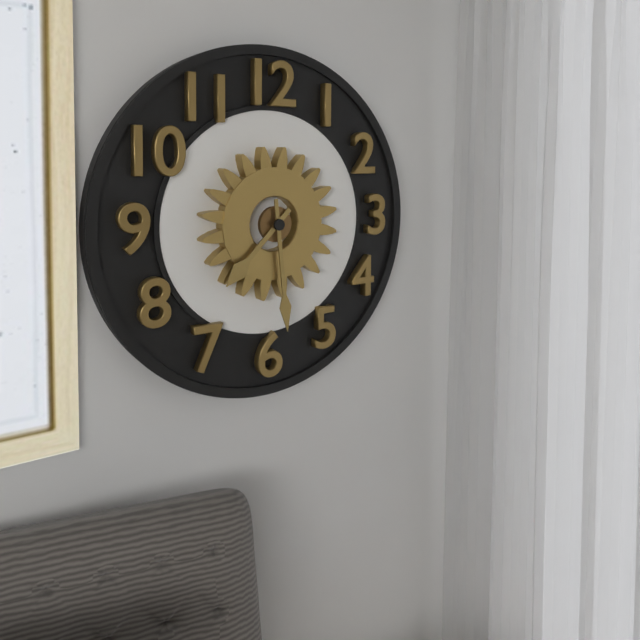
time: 7:29
